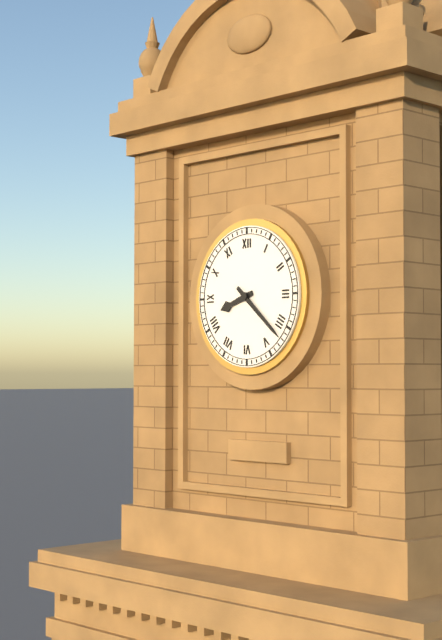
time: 8:22
